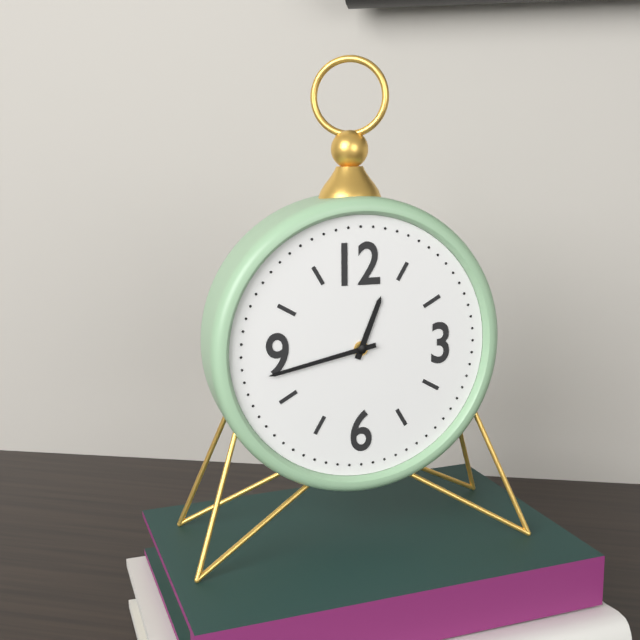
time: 12:43
